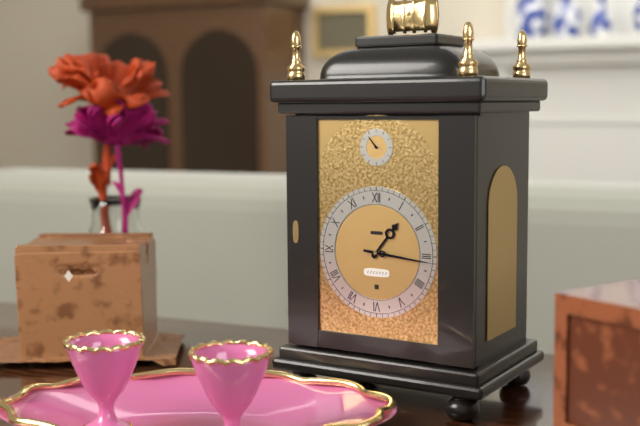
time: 1:16
